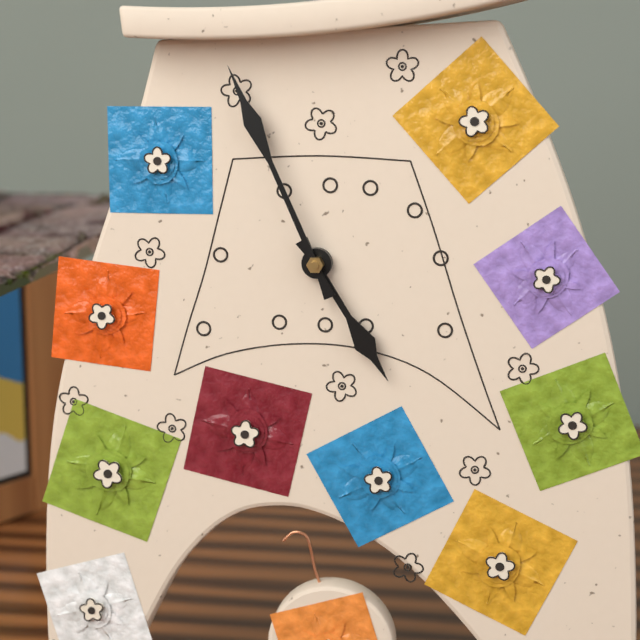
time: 4:56
